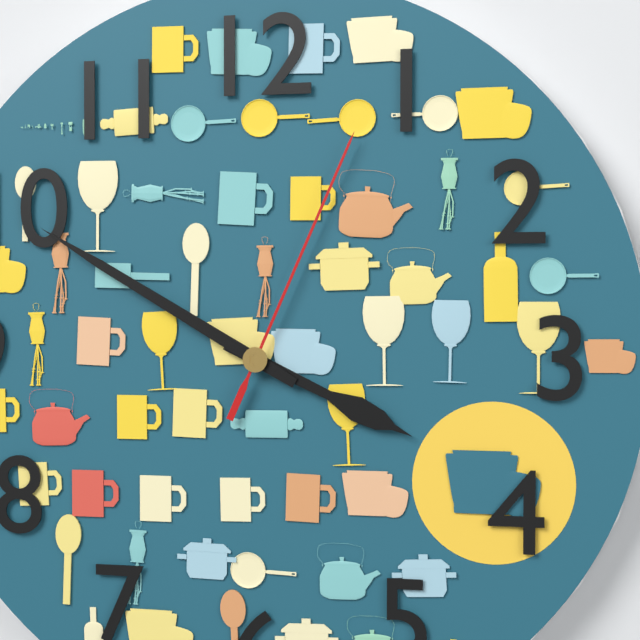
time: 3:50:04
